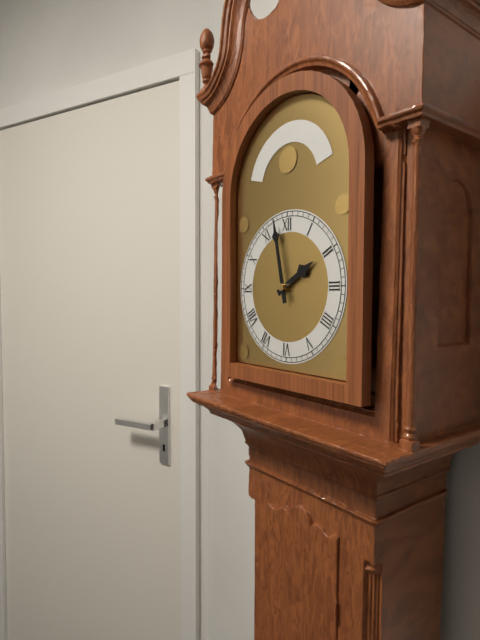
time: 1:58
